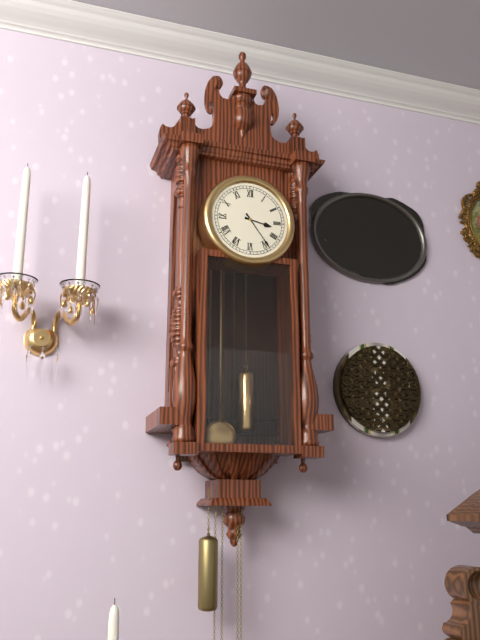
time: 3:24
